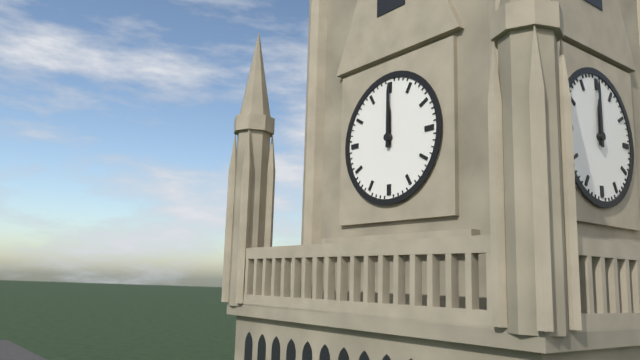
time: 12:00
